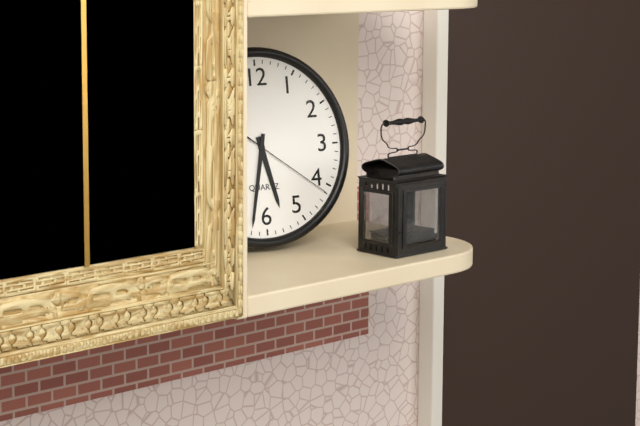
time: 5:32:21
